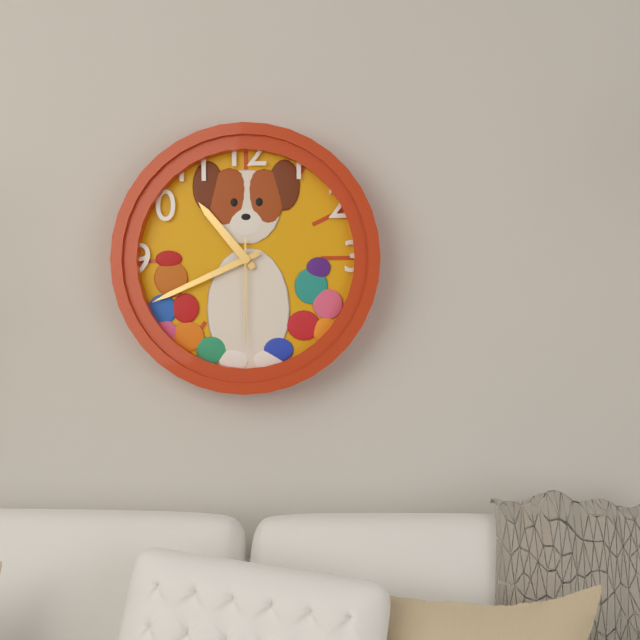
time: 10:41:30
